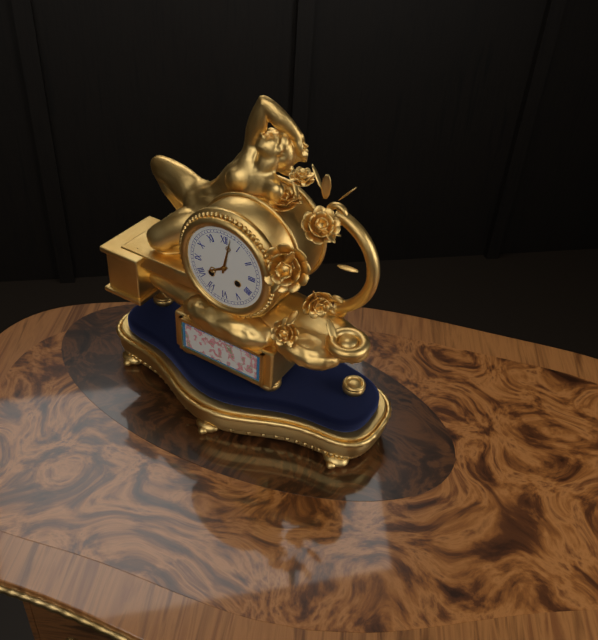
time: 8:02
